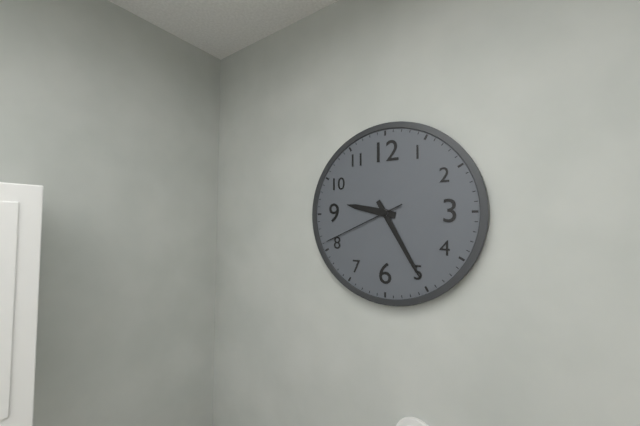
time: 9:25:41
